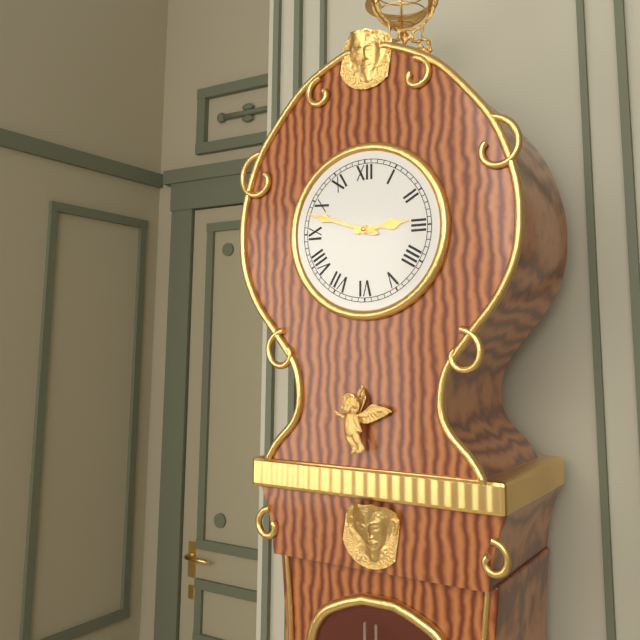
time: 2:48
